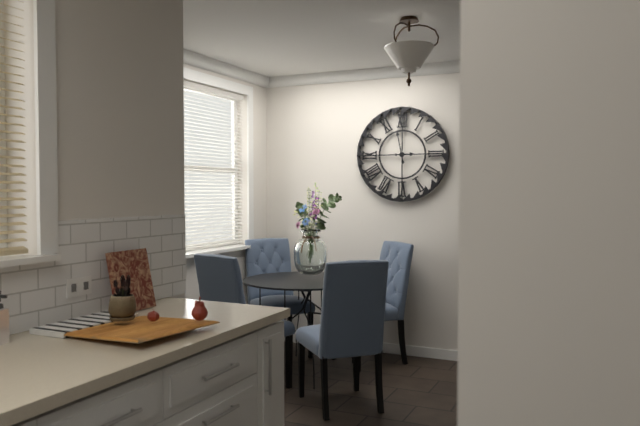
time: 2:58
